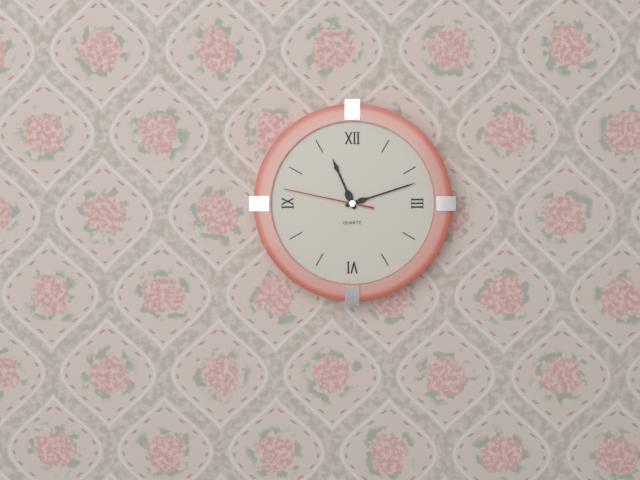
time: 11:12:47
